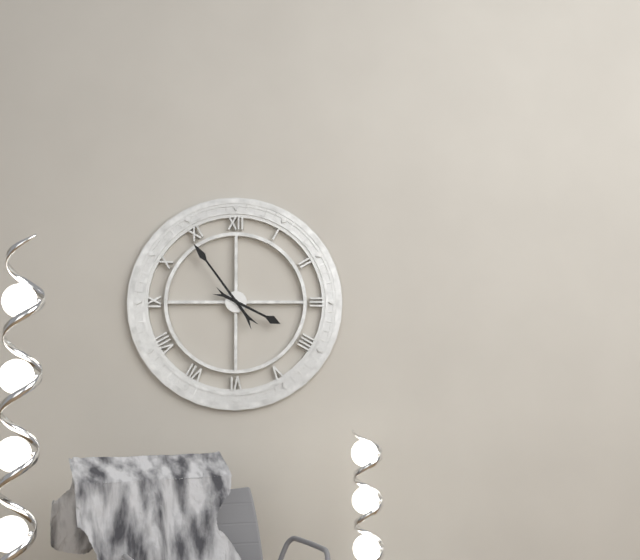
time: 3:54
